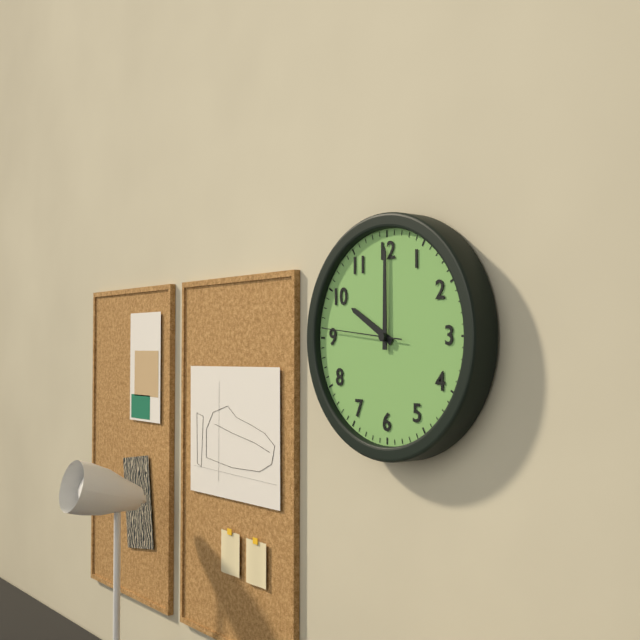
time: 10:00:46
